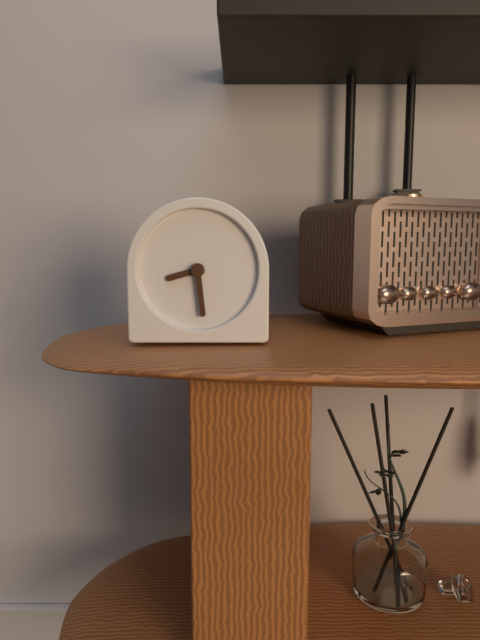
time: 8:29
